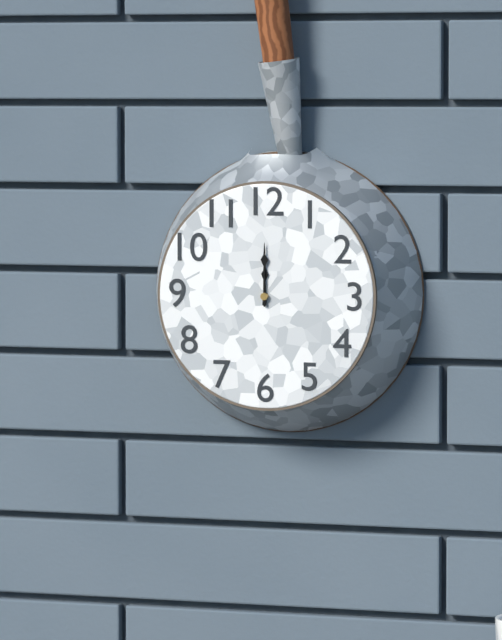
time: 12:00
